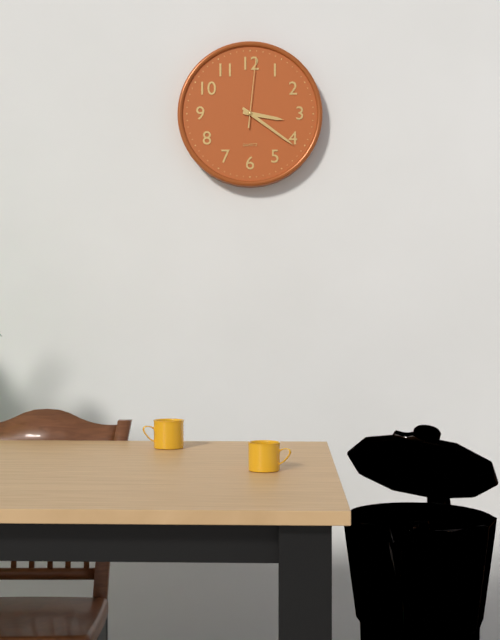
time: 3:21:01
